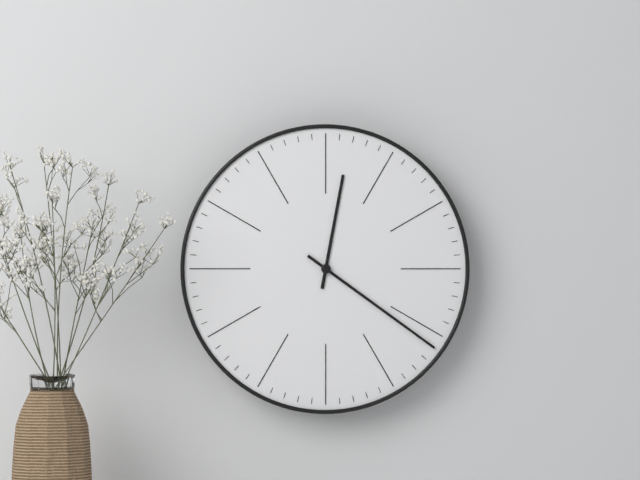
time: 12:21
